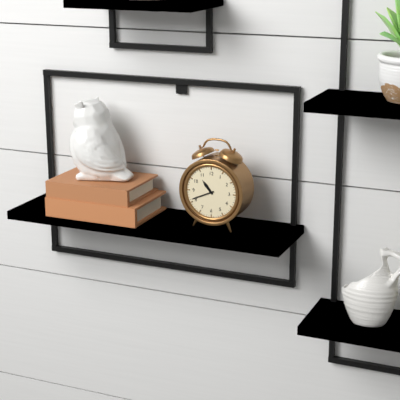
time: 10:41
